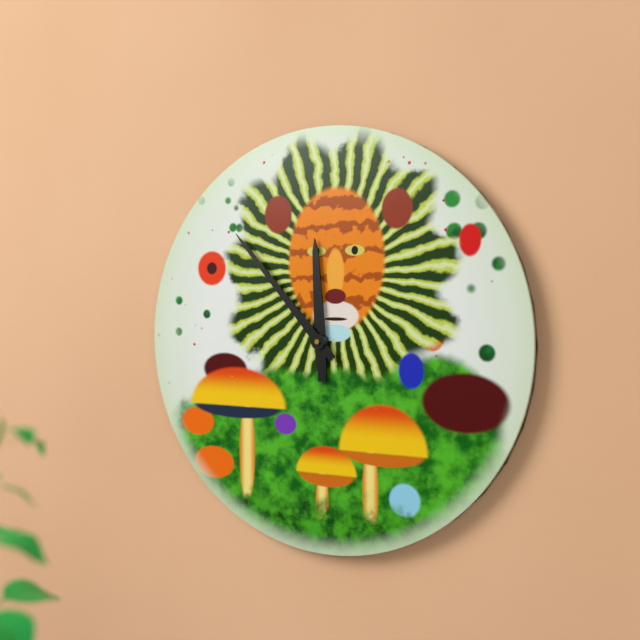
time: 11:53
